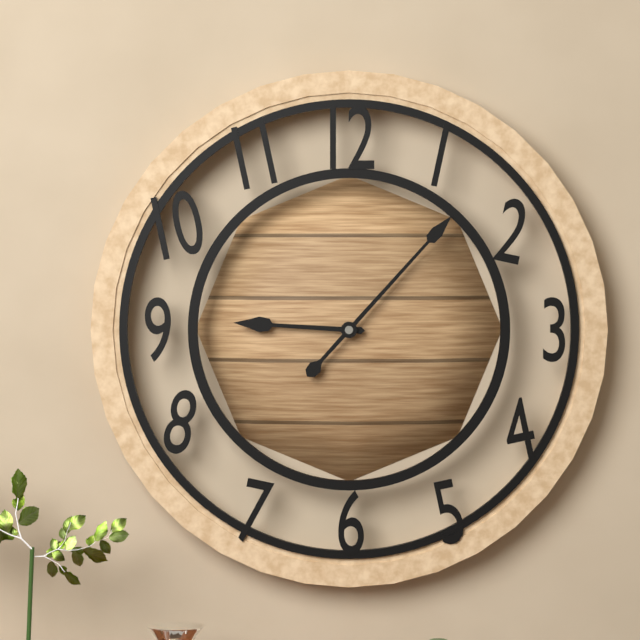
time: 9:07
